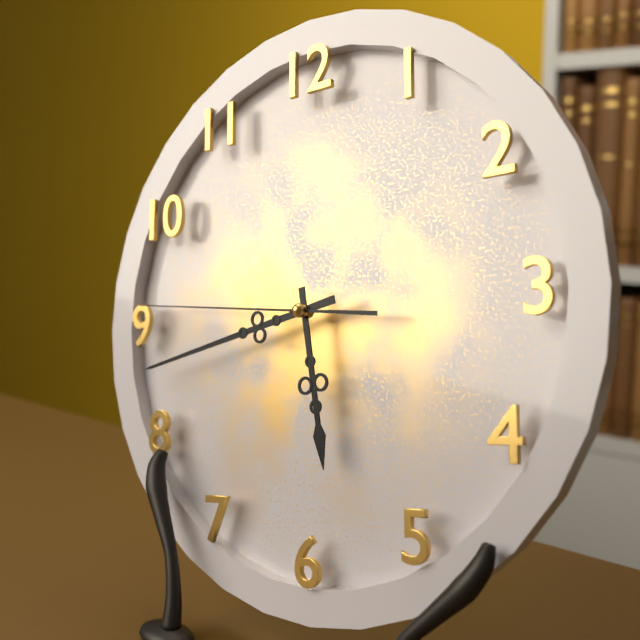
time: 5:43:46
